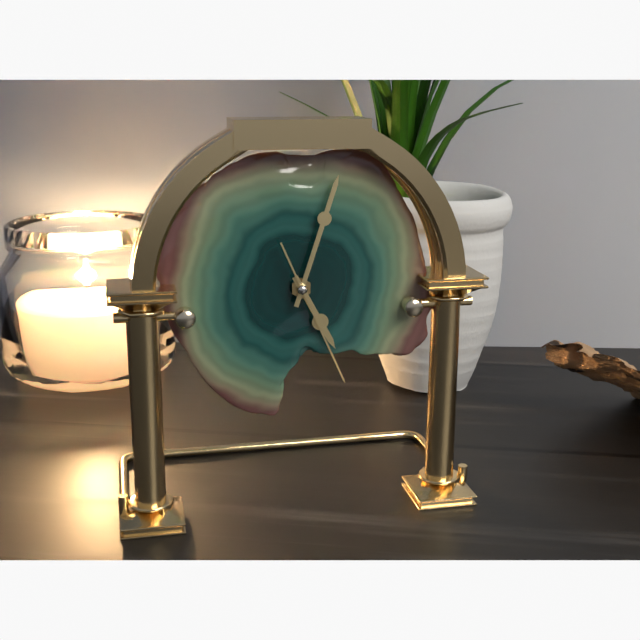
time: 5:03:26
